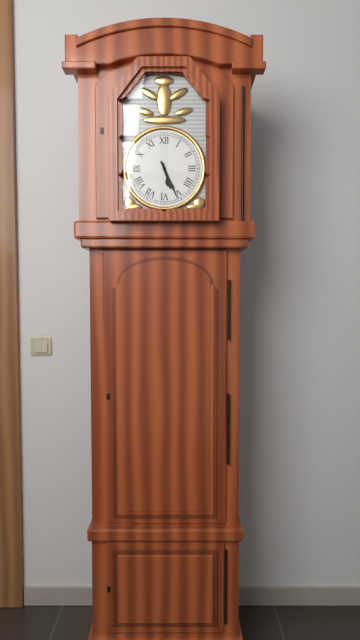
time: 5:26
